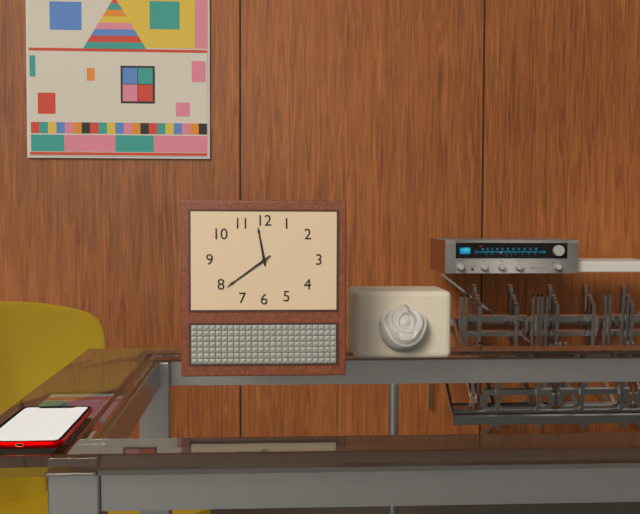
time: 11:39
